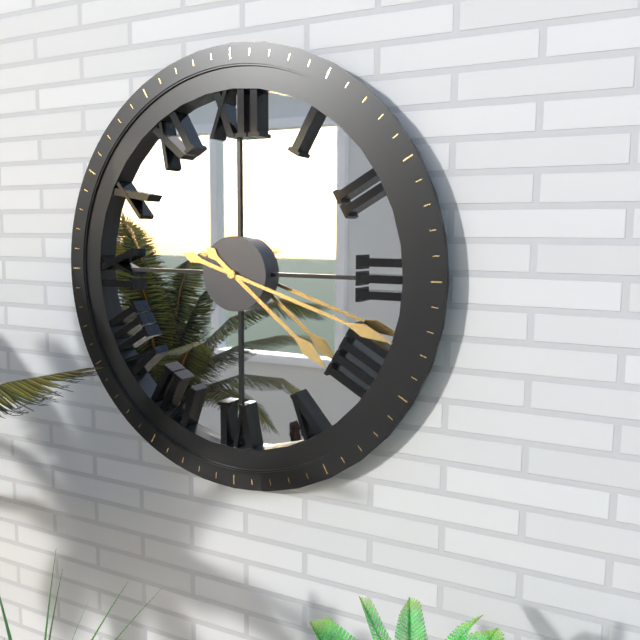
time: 4:18
